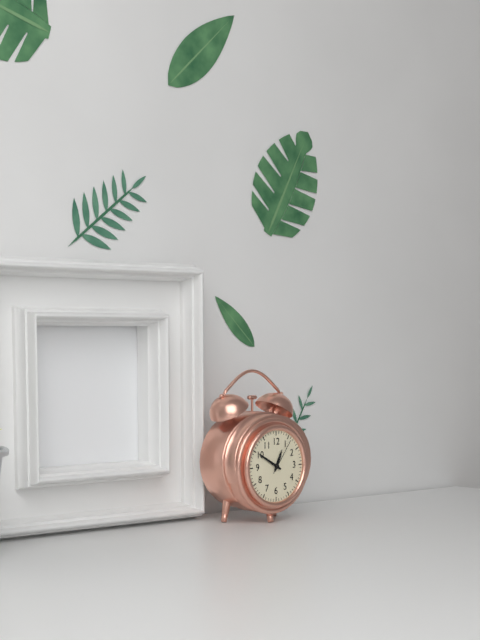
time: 12:50
